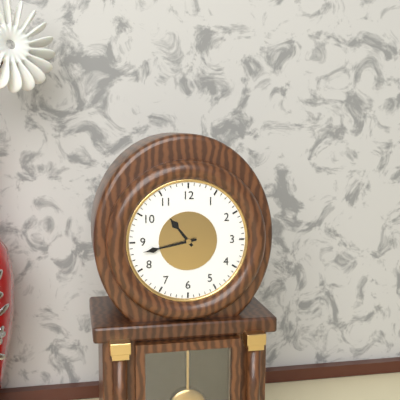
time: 10:43
